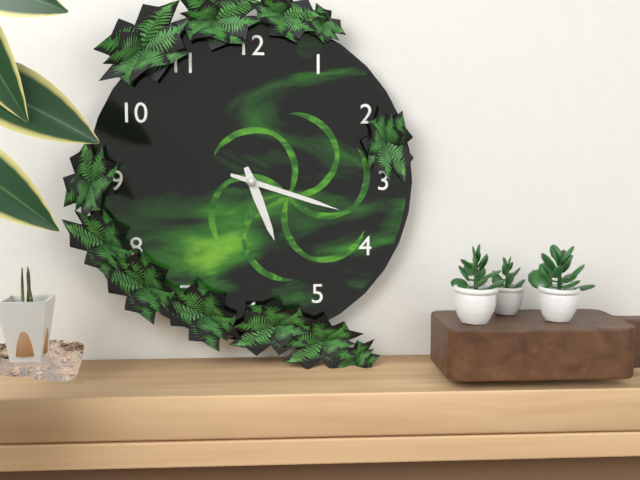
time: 5:18
